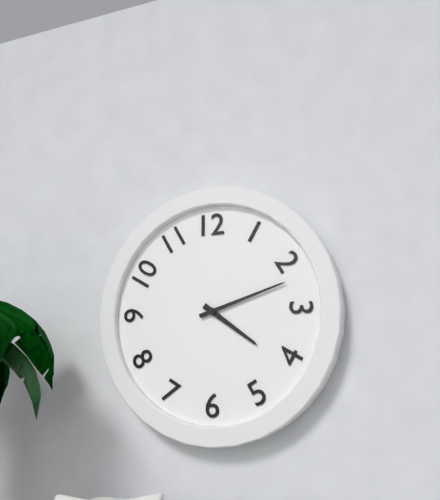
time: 4:12
